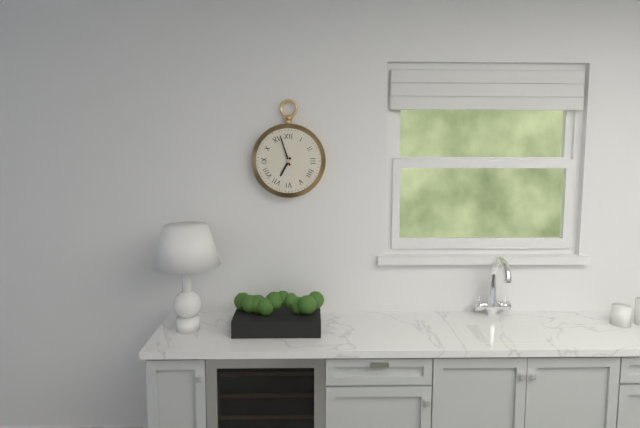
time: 6:57
